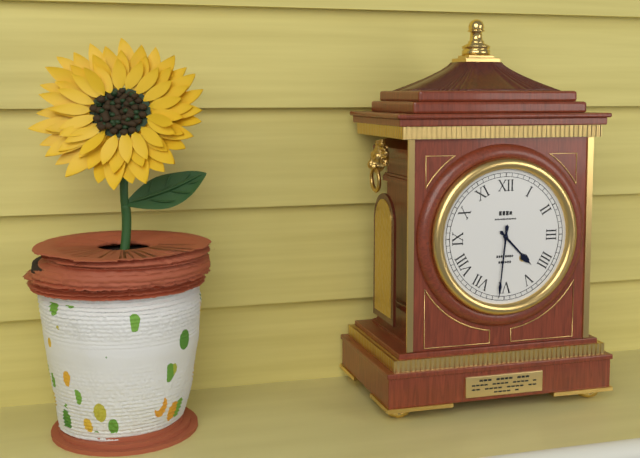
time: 4:31
